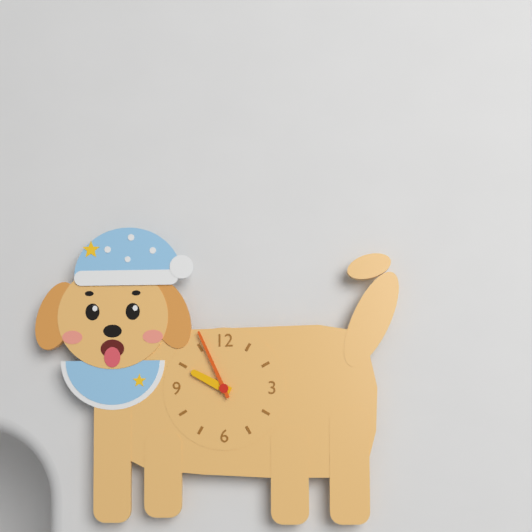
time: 9:56
